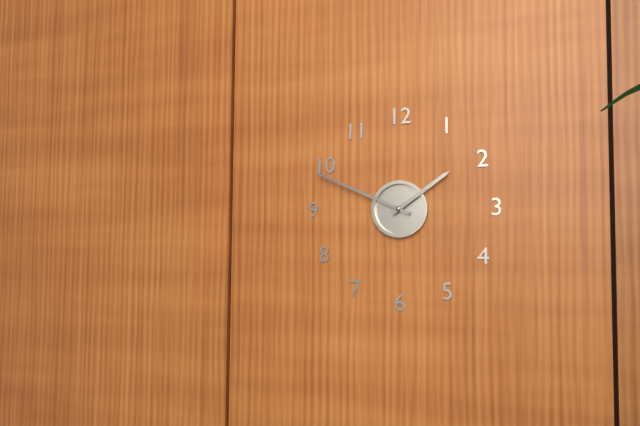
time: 1:49
